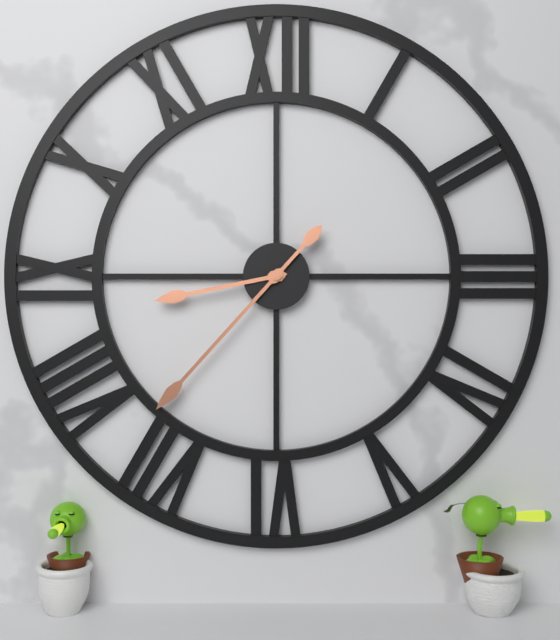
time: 8:37
